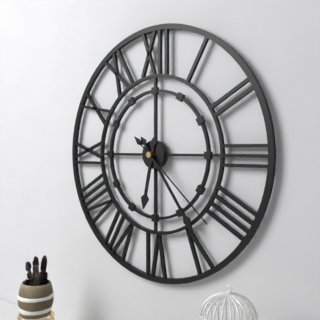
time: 6:24:22
